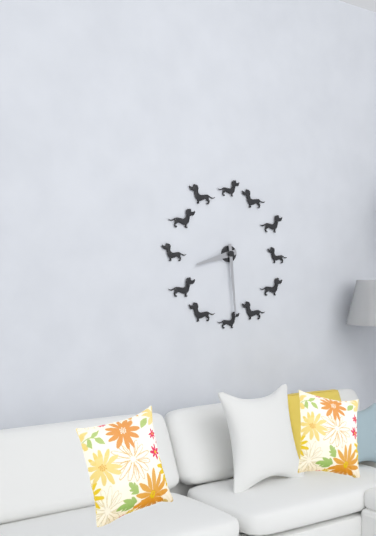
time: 8:29
